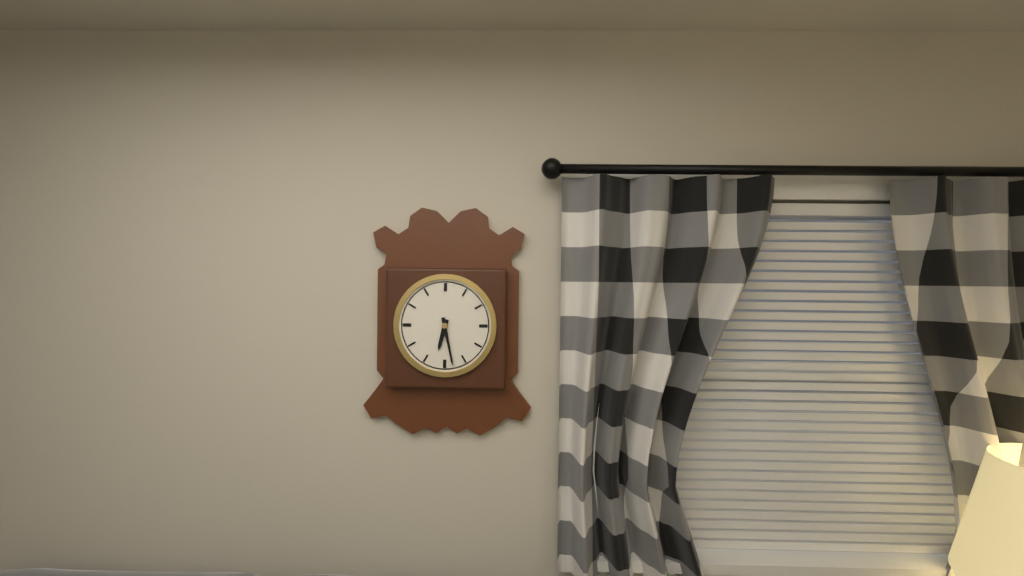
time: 6:28
